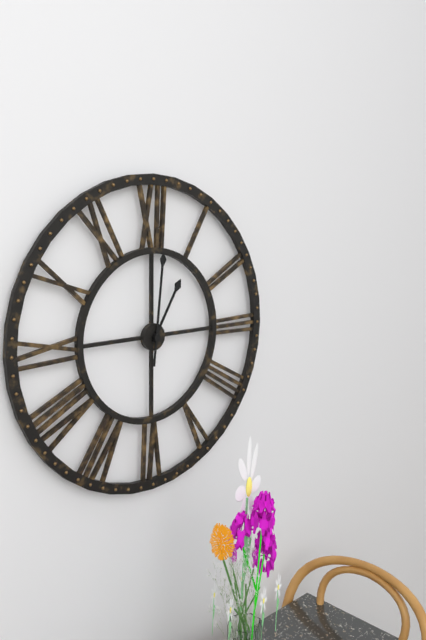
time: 1:01
